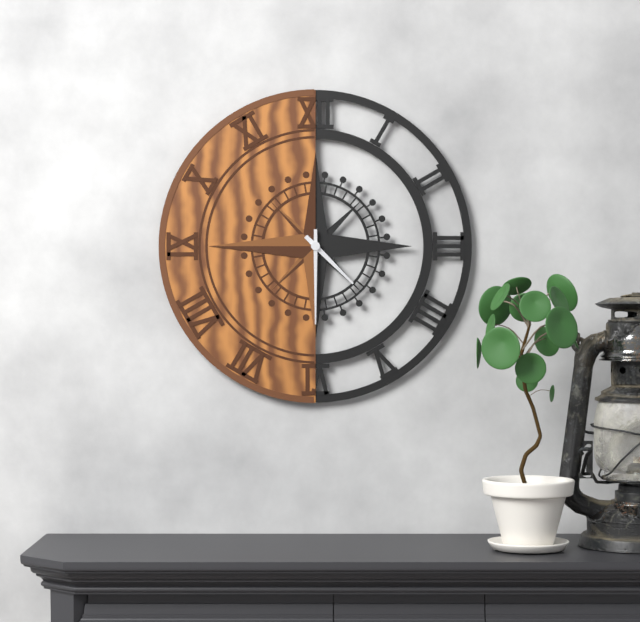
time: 4:30
